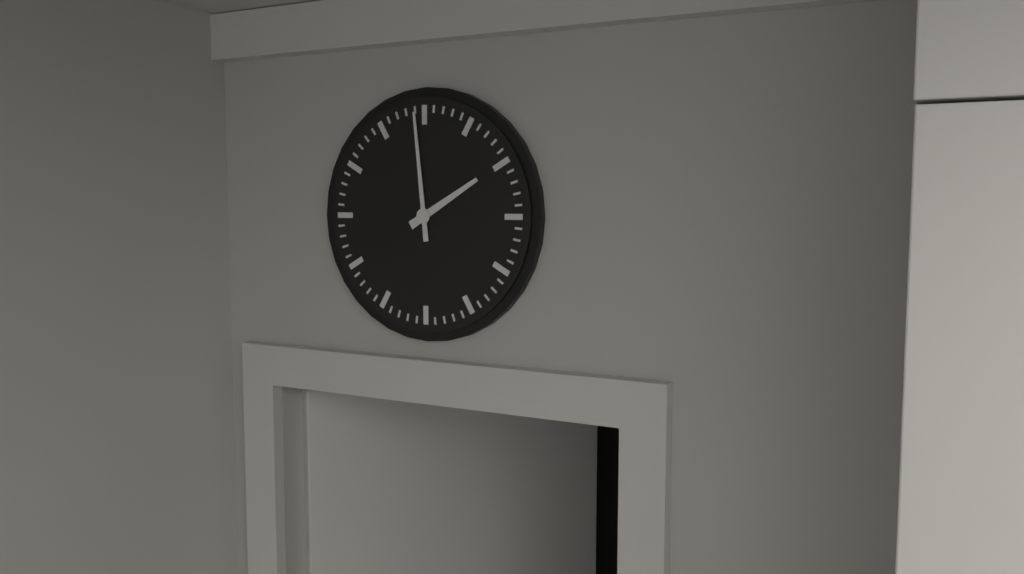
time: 1:59
